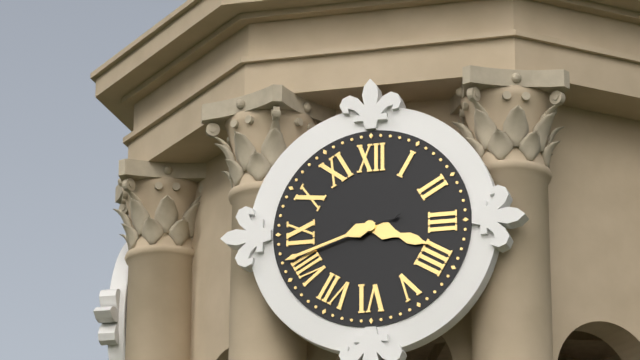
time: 3:42
